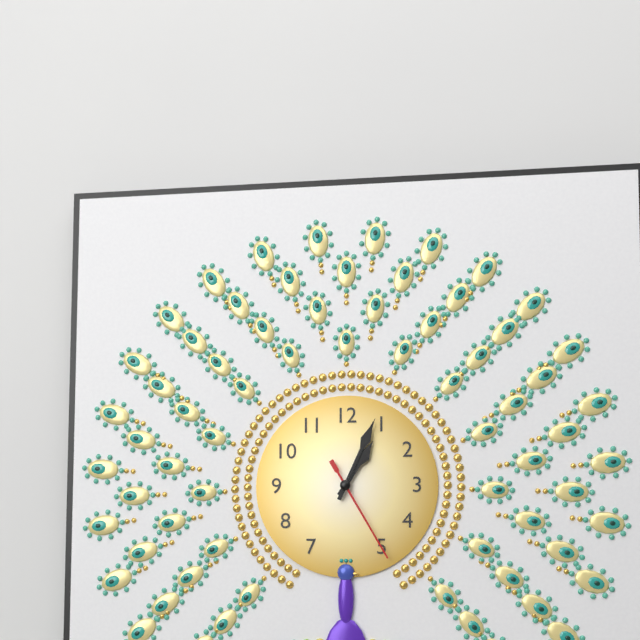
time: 1:04:25
